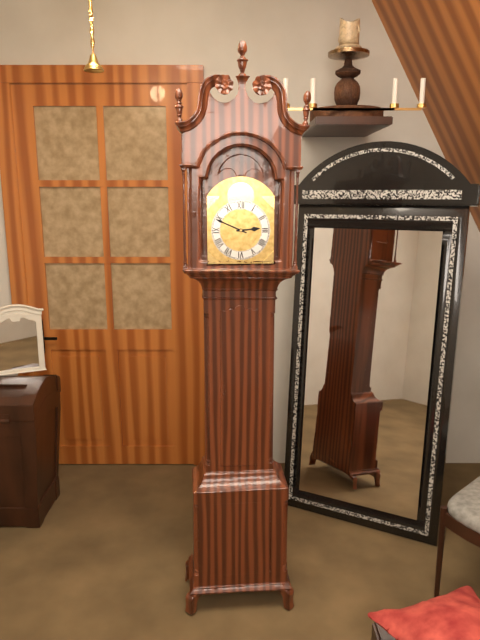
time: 2:49
